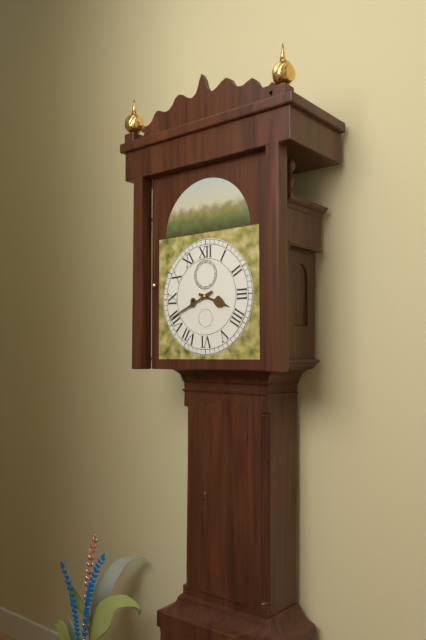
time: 3:41
